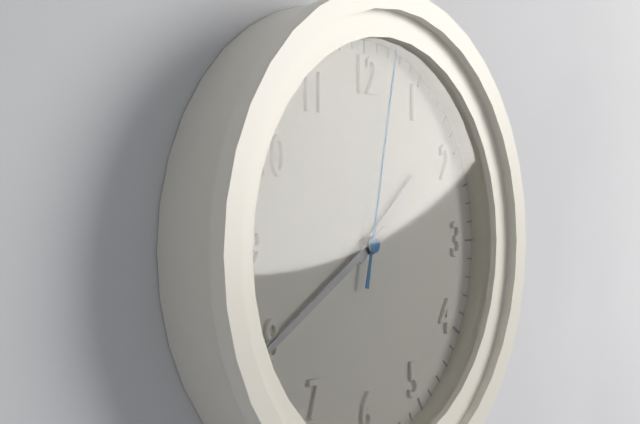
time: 1:40:02
